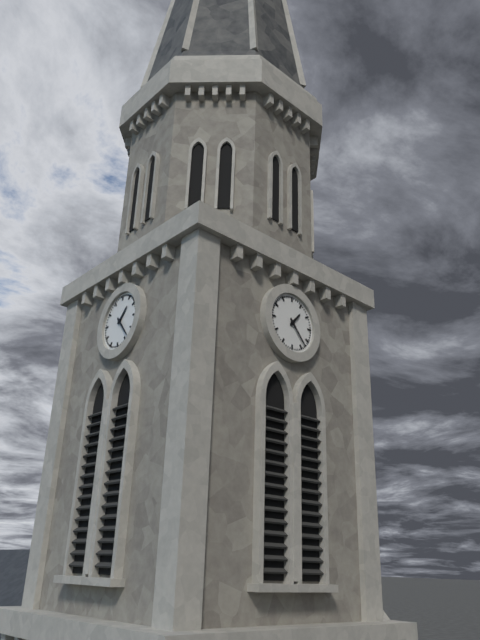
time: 1:23
